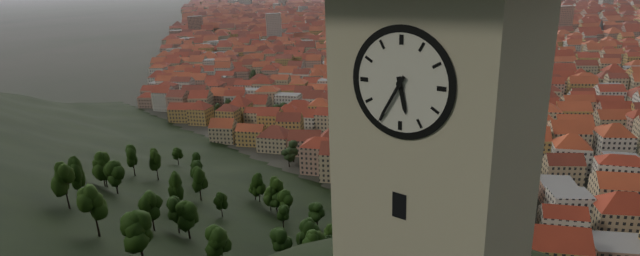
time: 5:35
